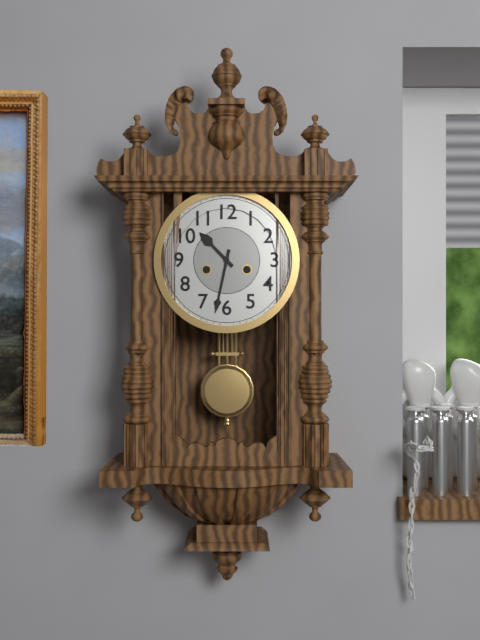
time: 10:32
